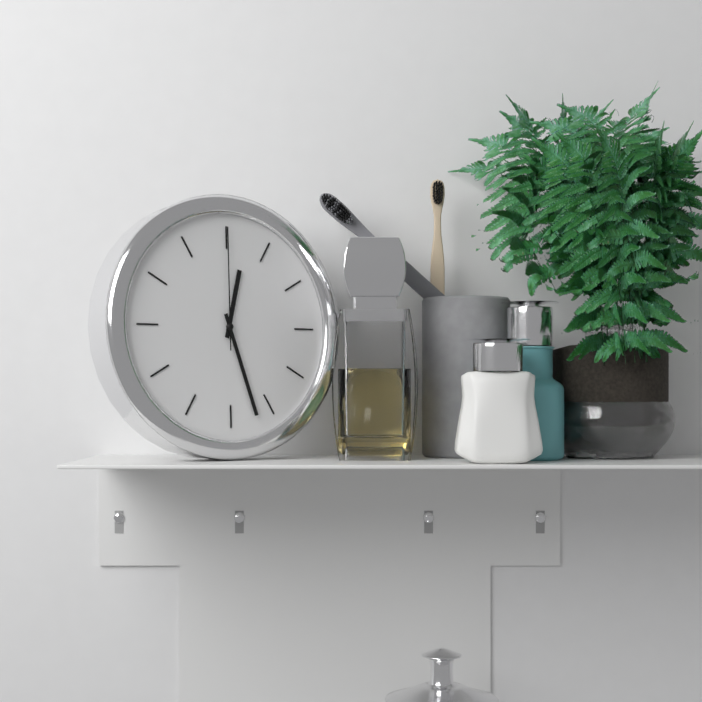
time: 12:27:00
